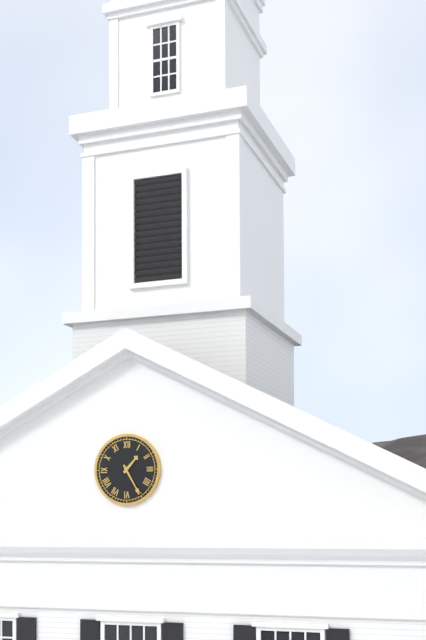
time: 1:25
